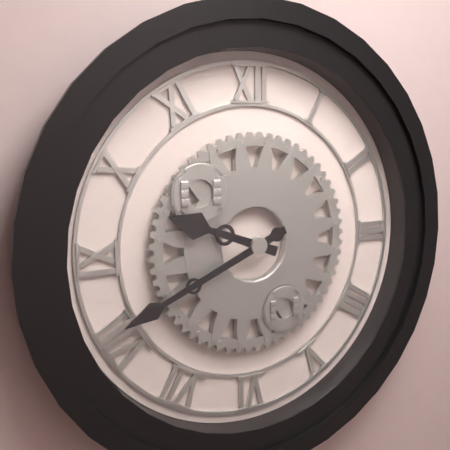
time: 9:41
